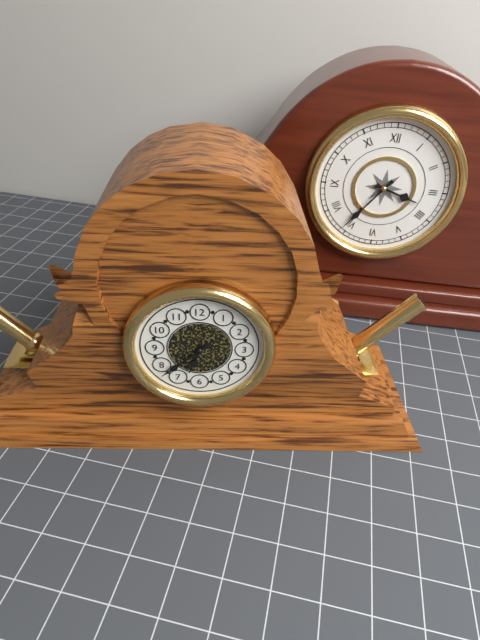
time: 6:38
